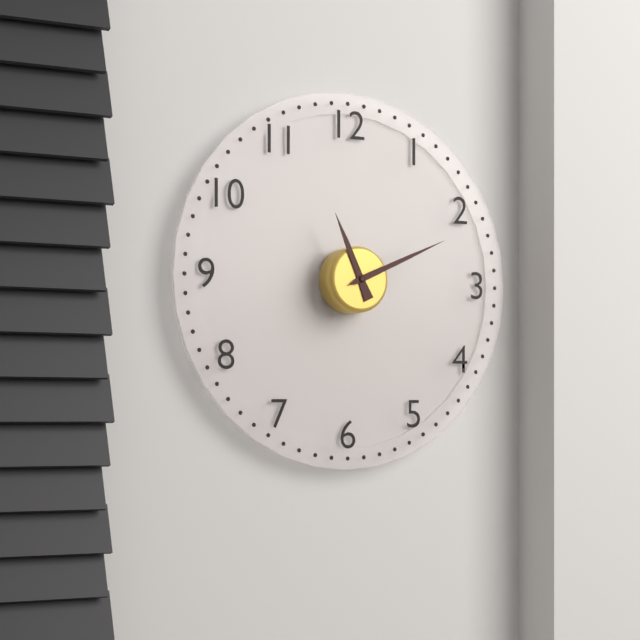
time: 11:11
